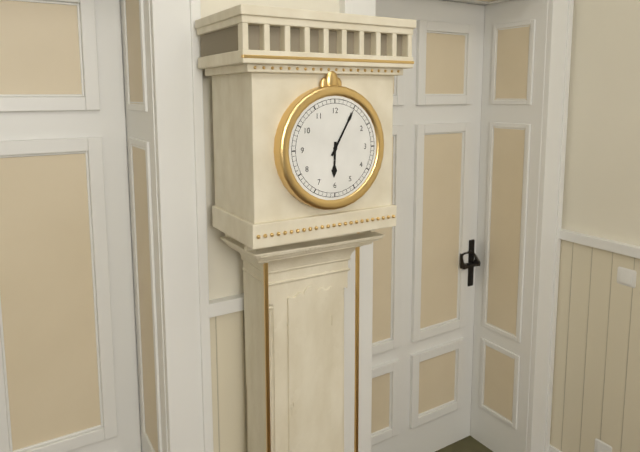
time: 6:05
